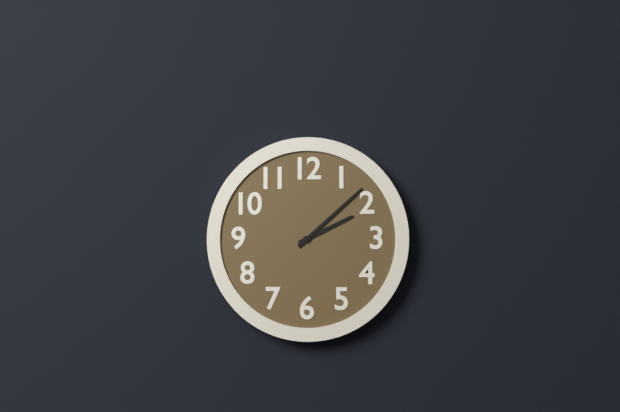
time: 2:08
